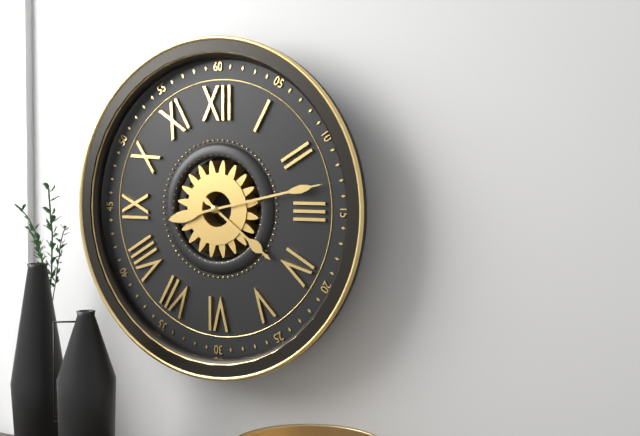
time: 4:13
